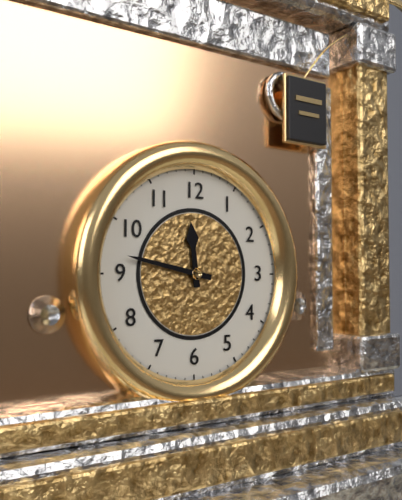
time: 11:47
